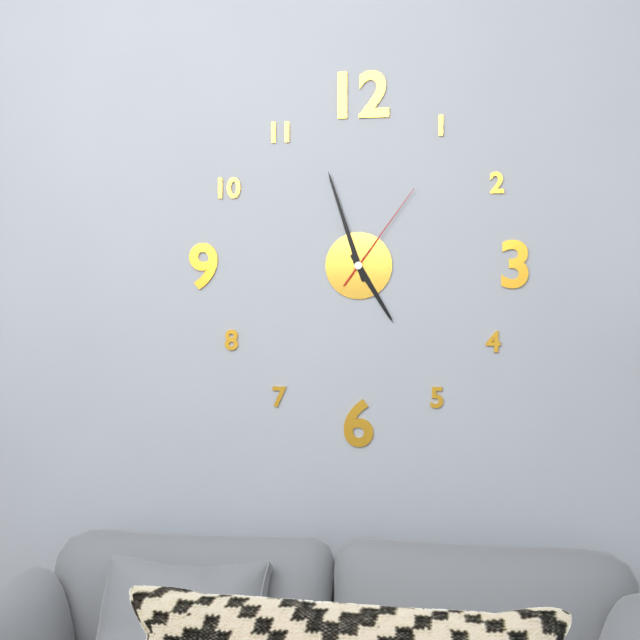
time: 4:57:06
